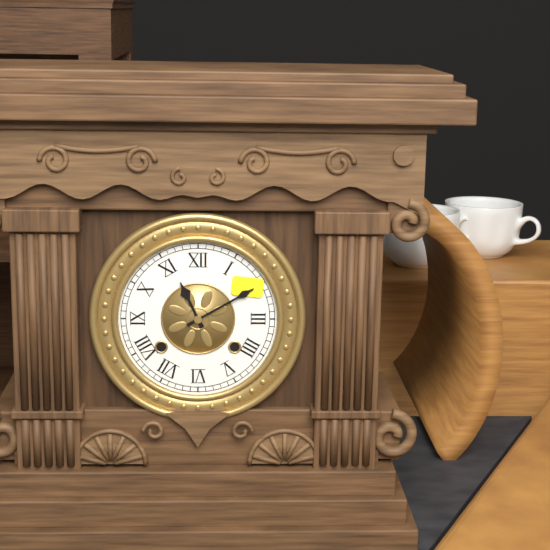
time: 11:10
